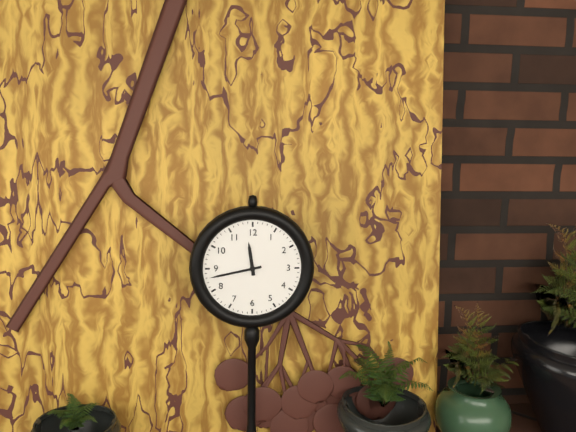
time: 11:43
